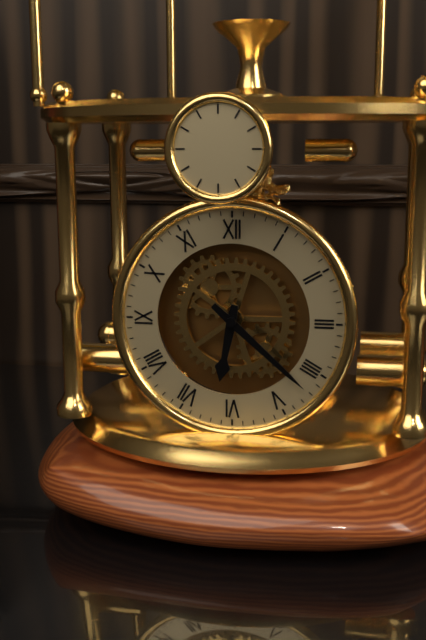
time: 6:22
